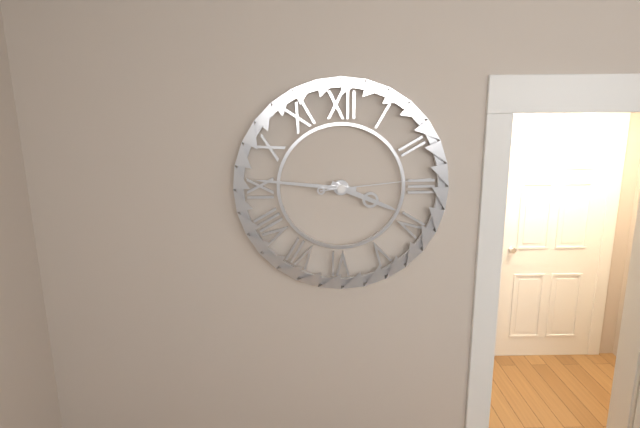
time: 3:46:14
